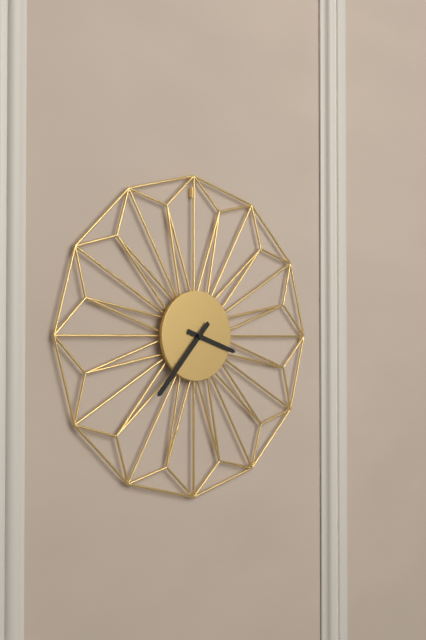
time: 3:37
